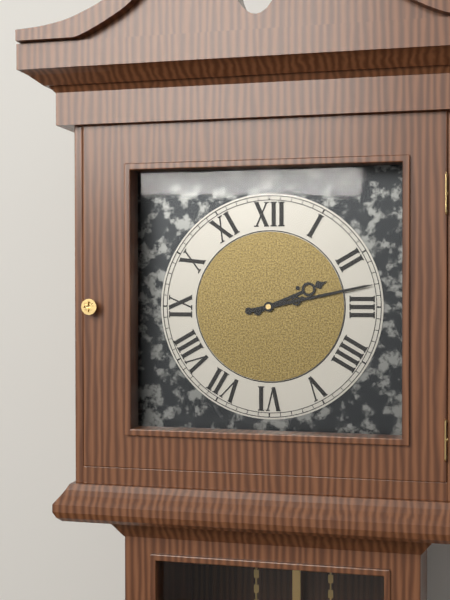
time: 2:13
